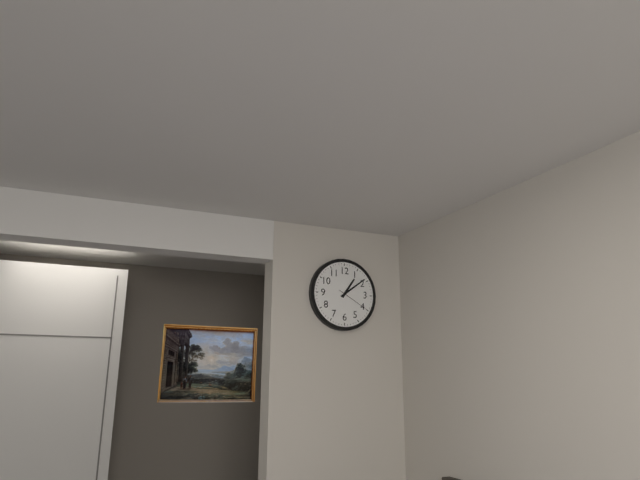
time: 1:09
